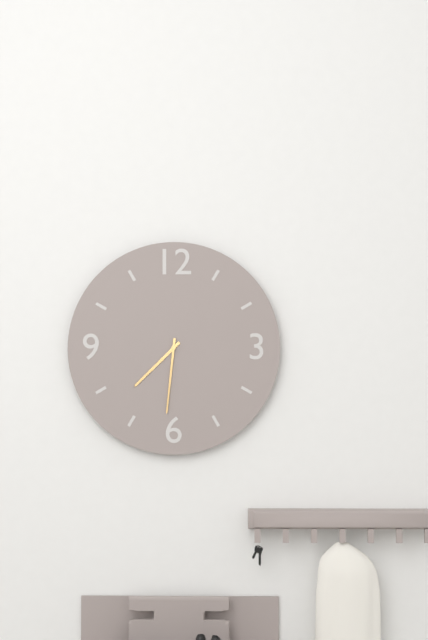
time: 7:31
